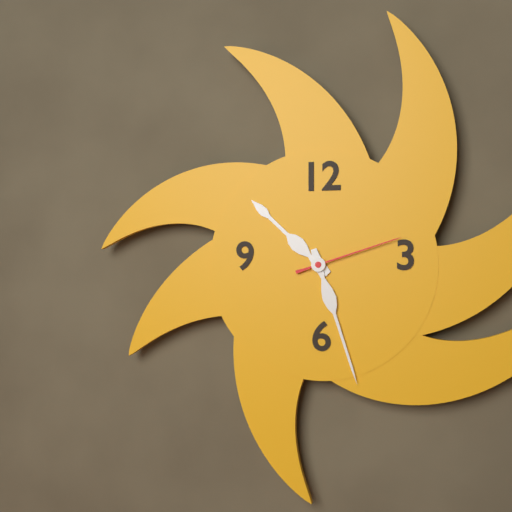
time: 10:27:12
